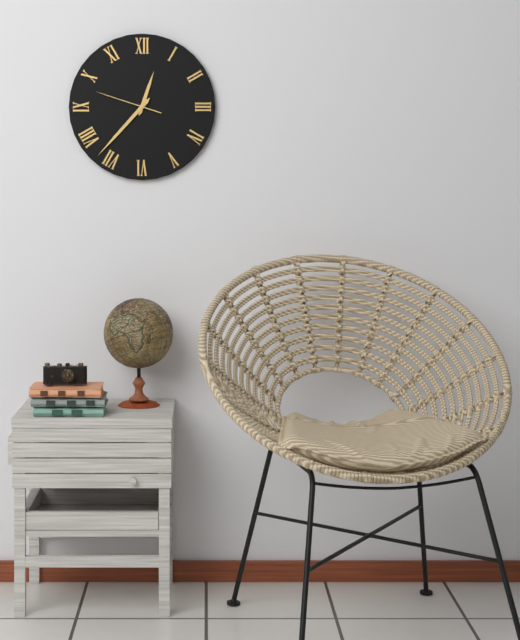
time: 12:37:48
